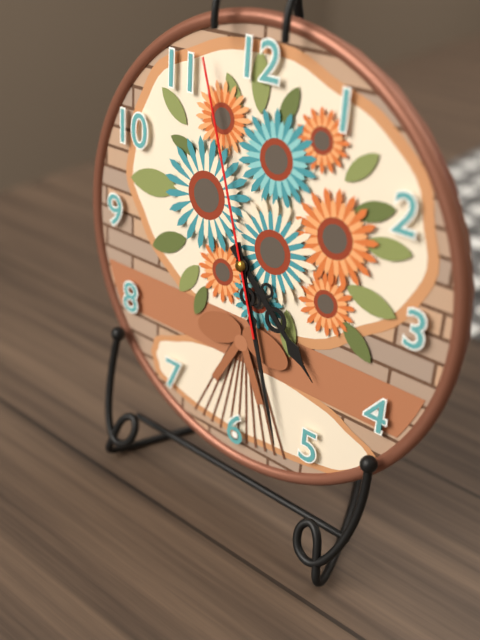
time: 4:27:57
